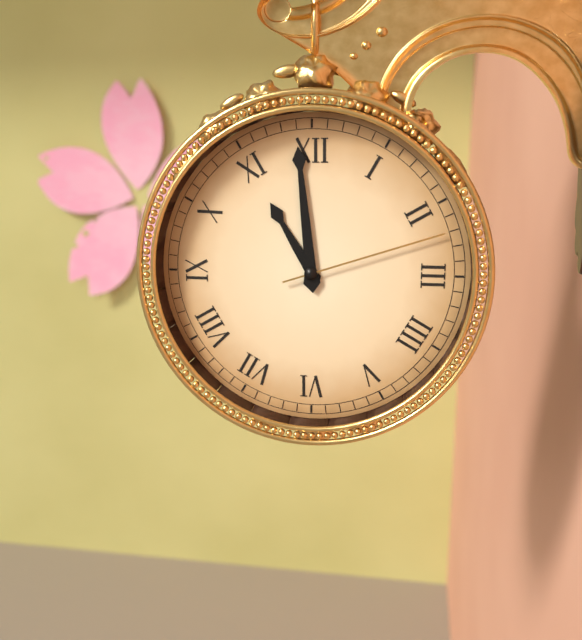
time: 10:59:12
